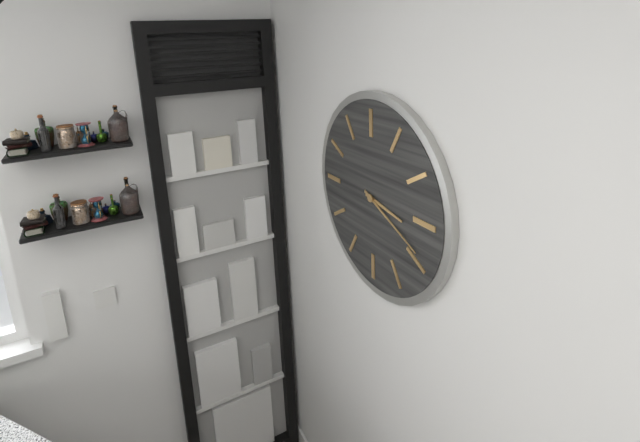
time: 3:19
